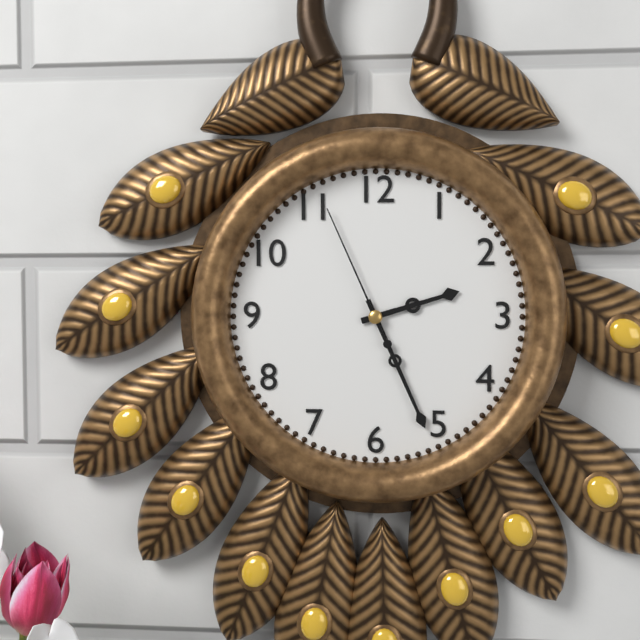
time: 2:26:56
